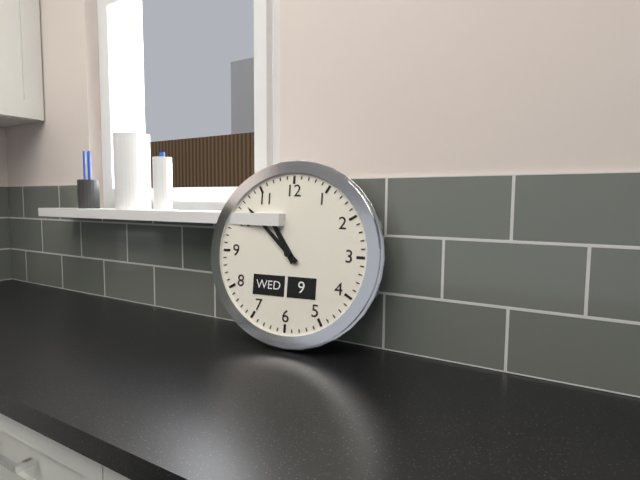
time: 10:52
